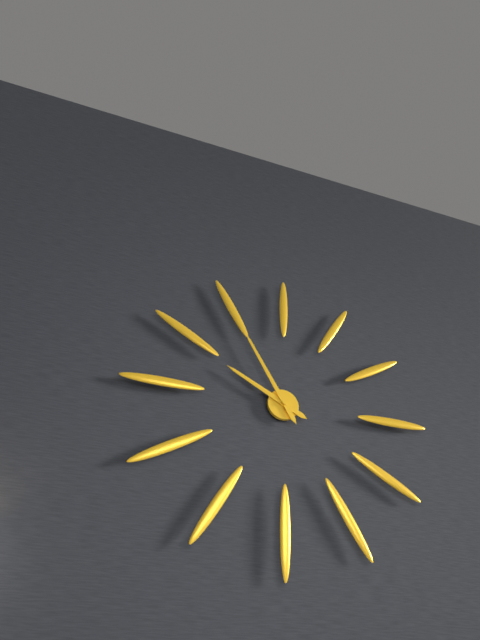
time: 9:55
